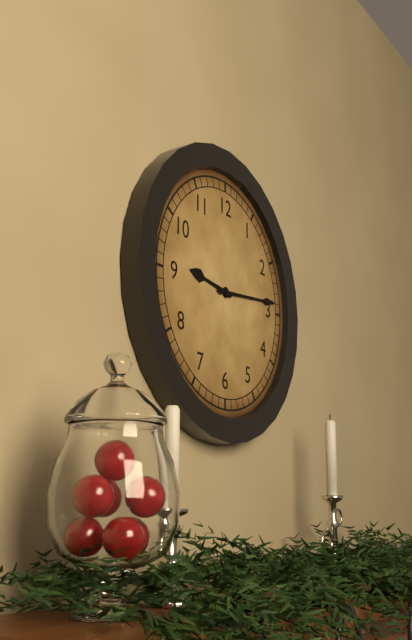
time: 9:14
